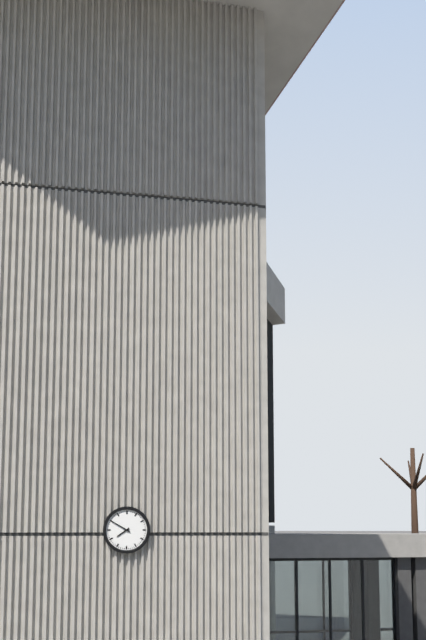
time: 7:50
